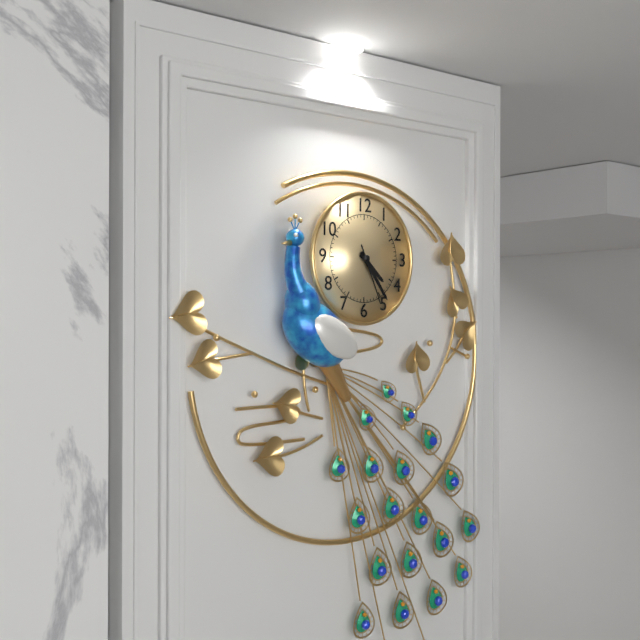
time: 4:24:26
